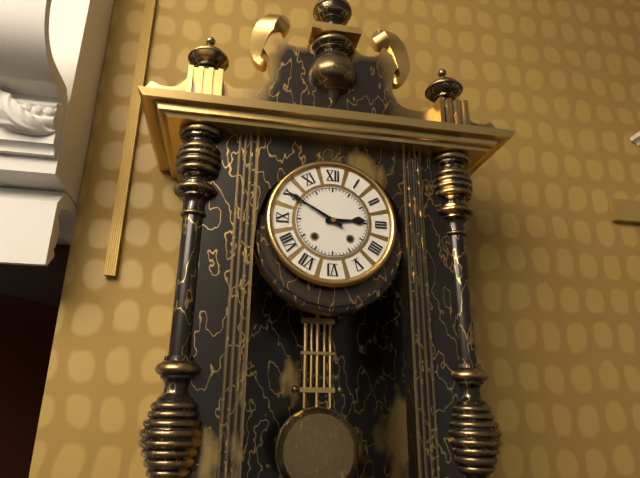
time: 2:50
